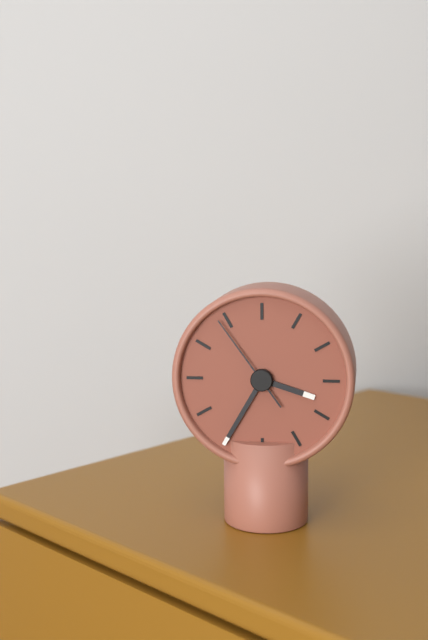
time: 3:35:54
